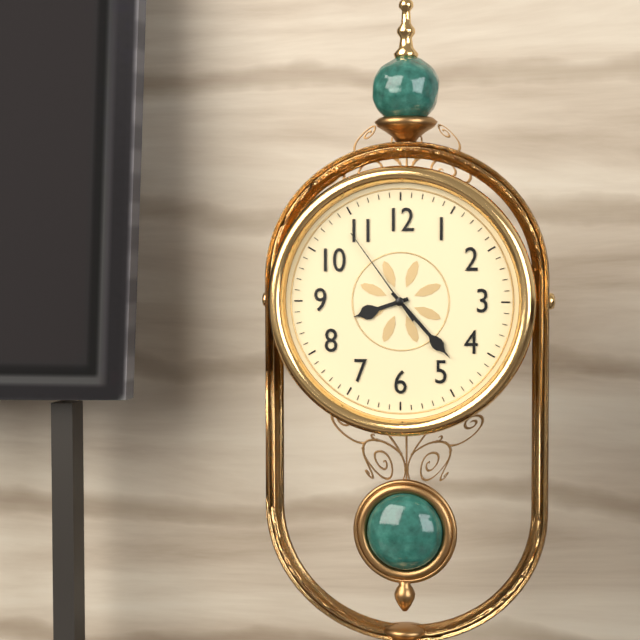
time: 8:23:54
